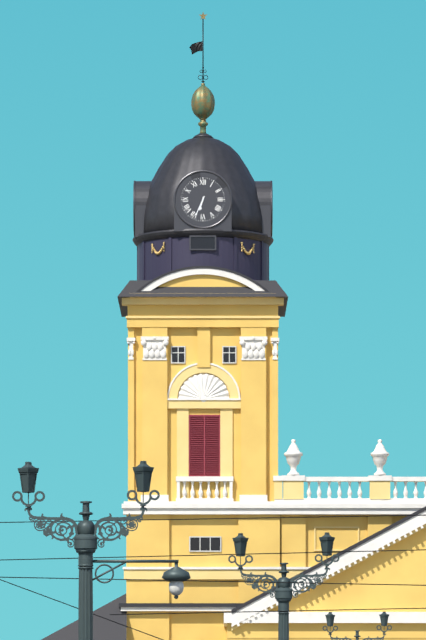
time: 6:34
